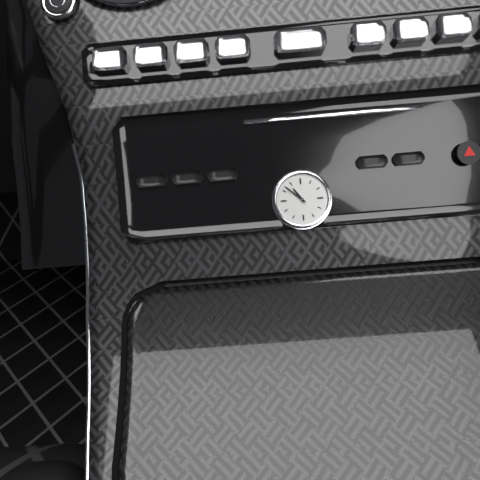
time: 10:52
